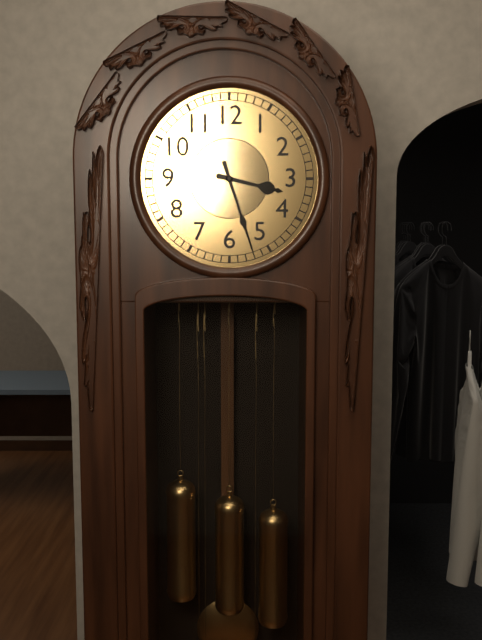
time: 3:27
